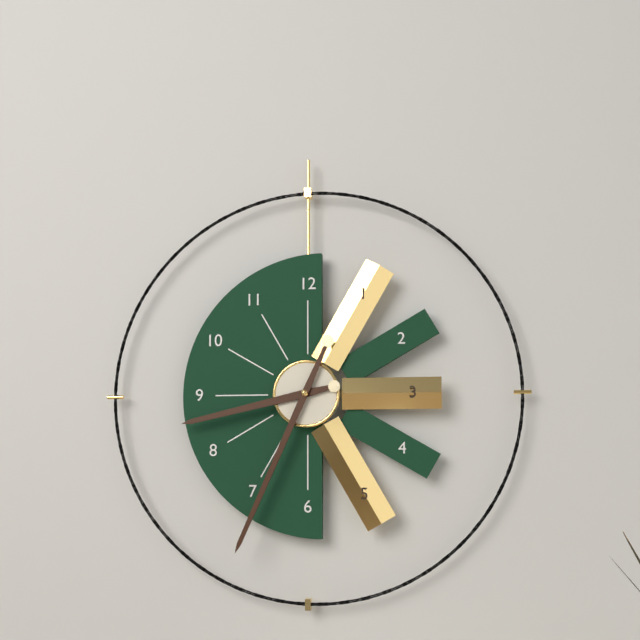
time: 8:34
